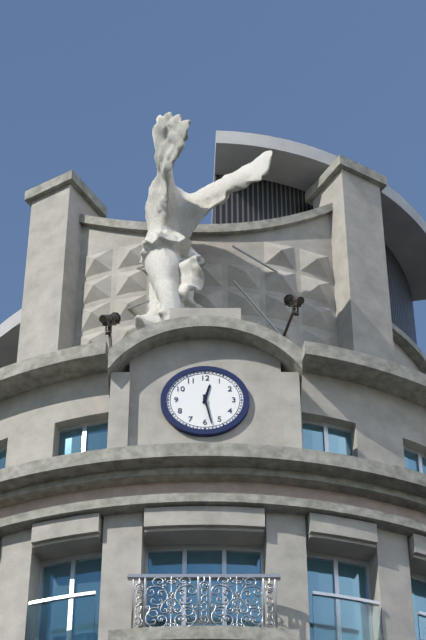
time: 12:28
